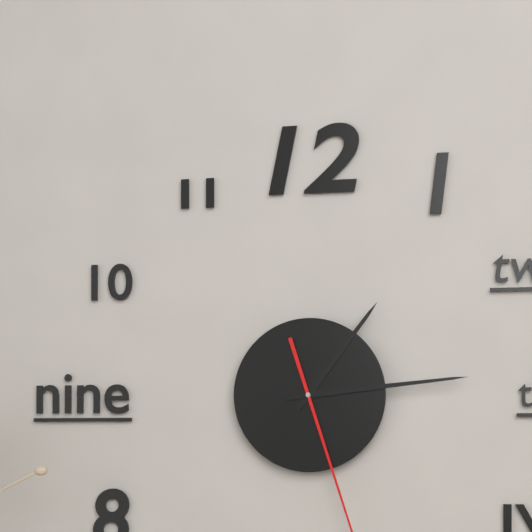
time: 1:14
